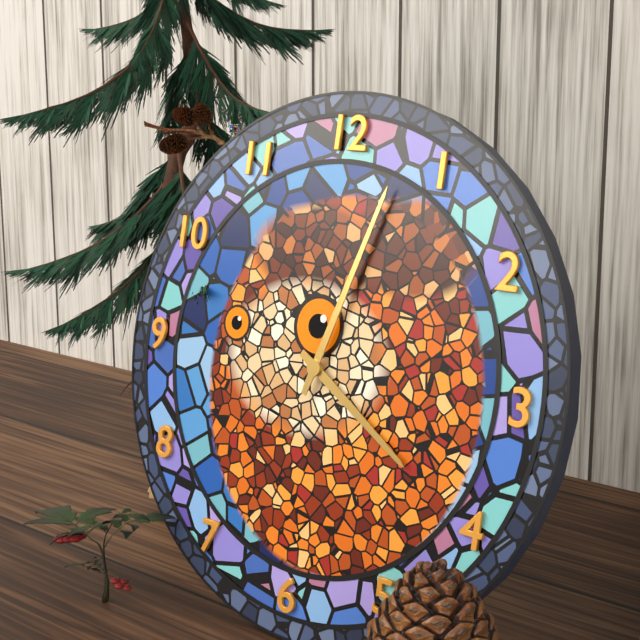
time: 4:03
